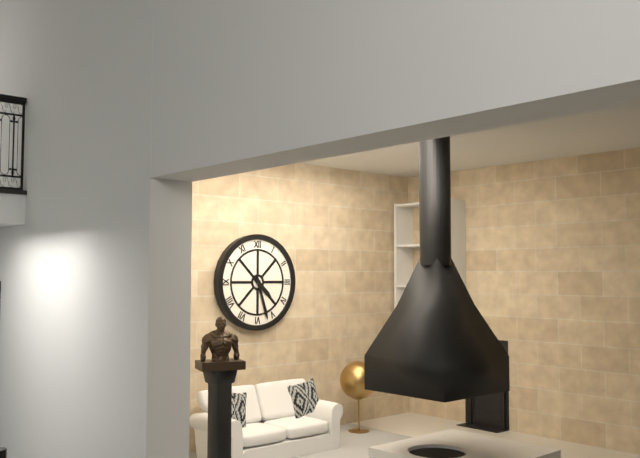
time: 4:27
